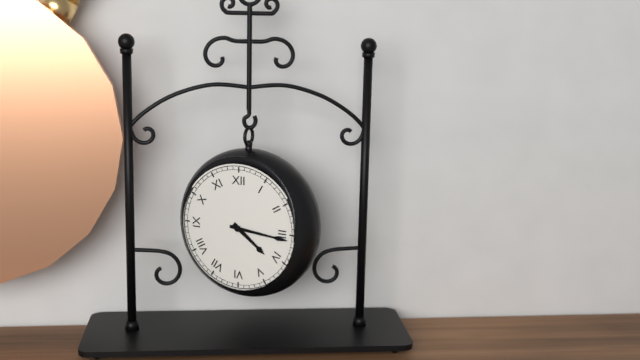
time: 4:16
